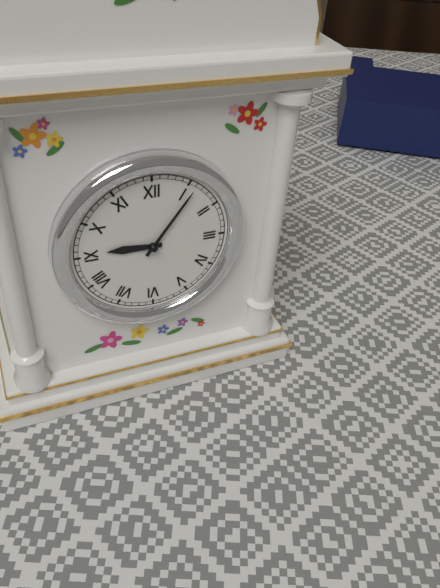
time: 9:06
